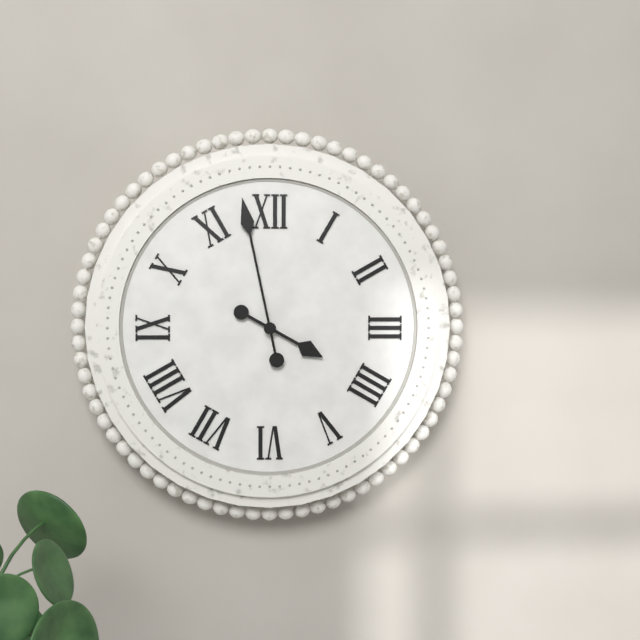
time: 3:58
